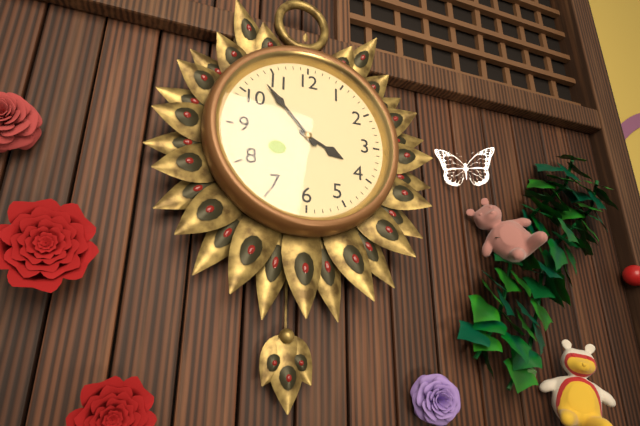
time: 3:53
